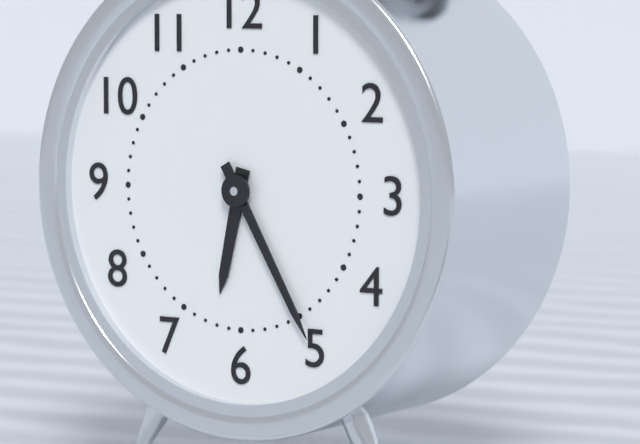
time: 6:25
